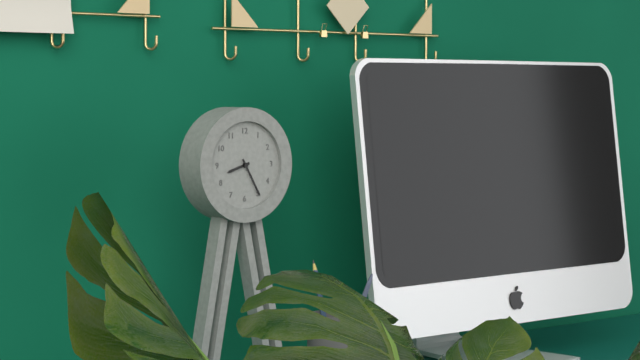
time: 8:25
